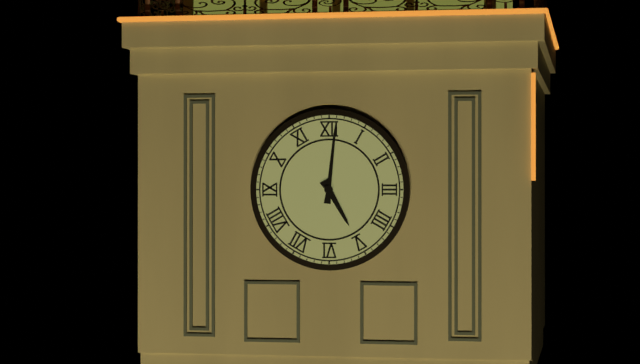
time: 5:01
